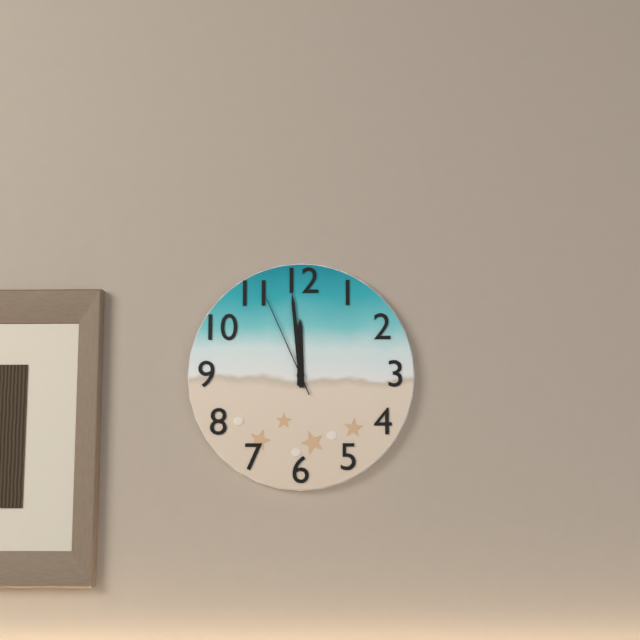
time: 11:59:56
